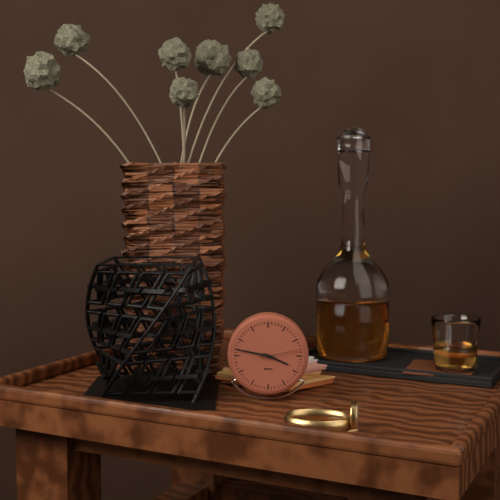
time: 3:47
